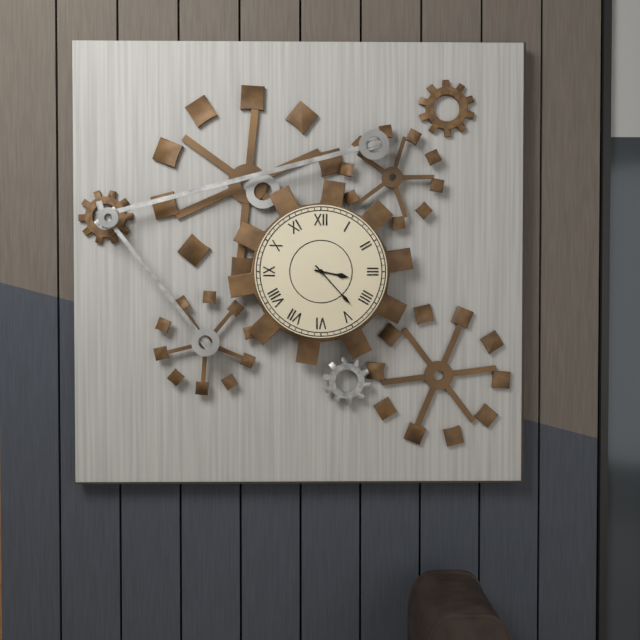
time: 3:23
